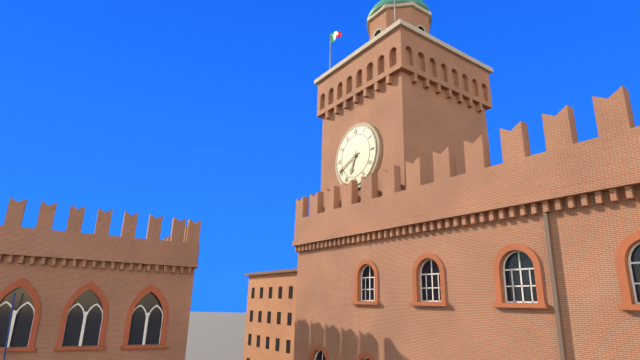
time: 6:41
